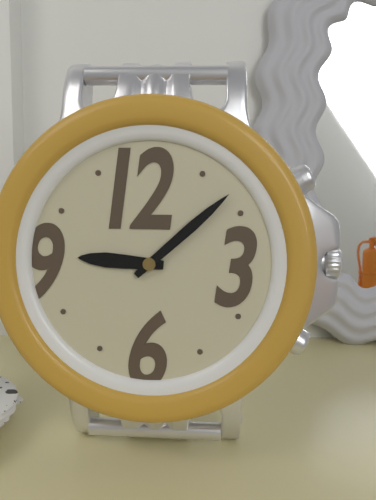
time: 9:08
